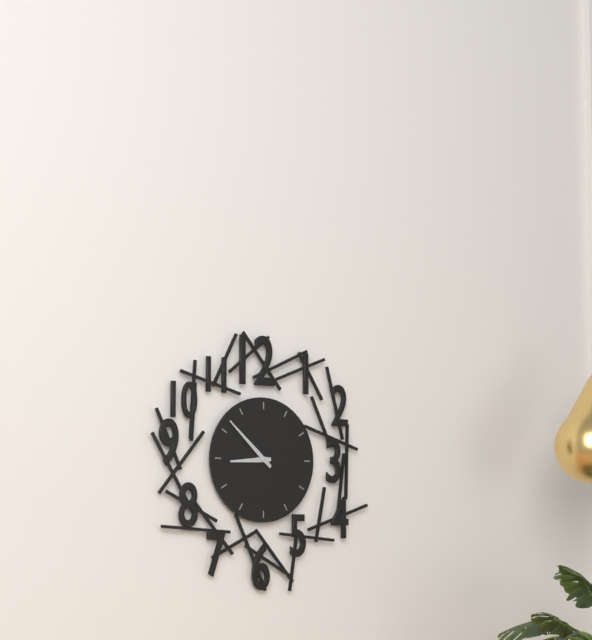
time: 8:52
